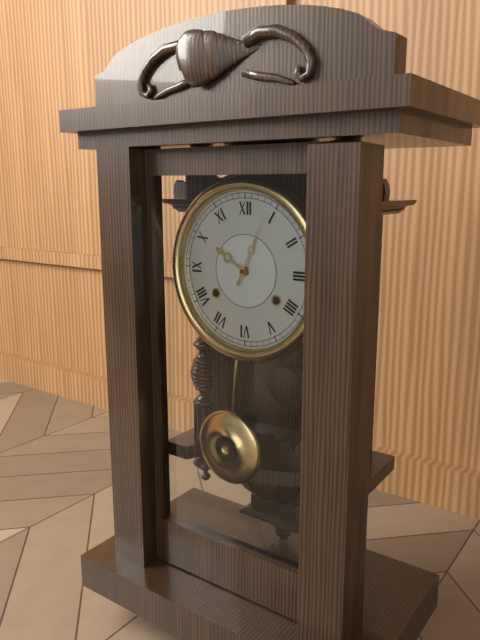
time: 10:04
